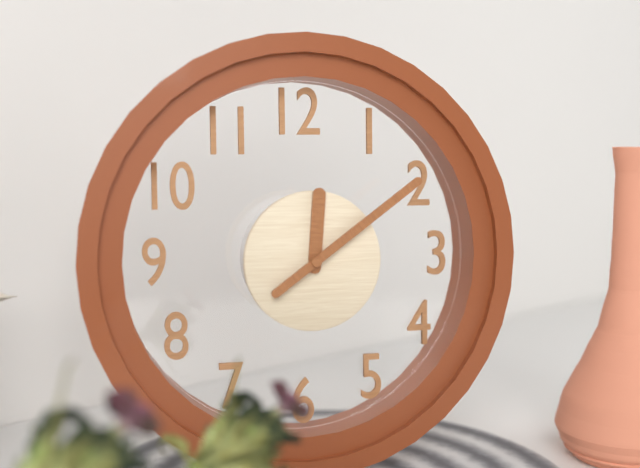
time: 12:09
